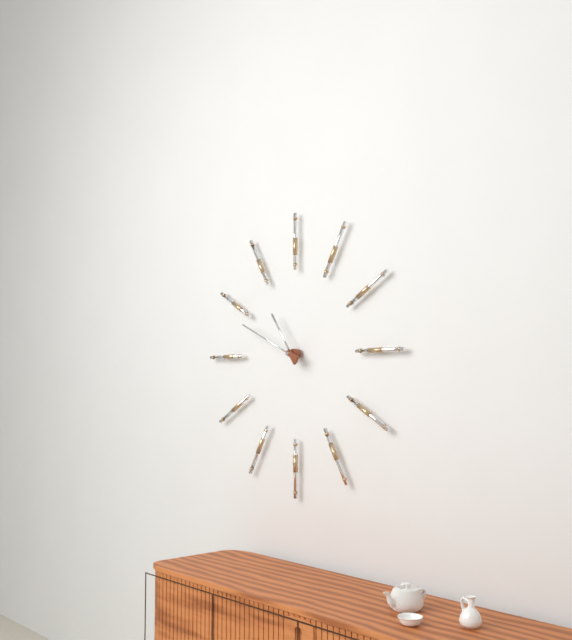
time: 10:49
